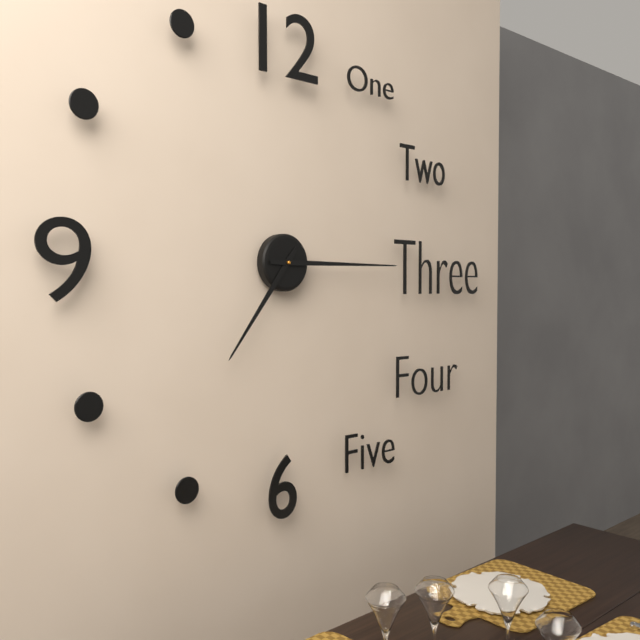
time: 7:15
